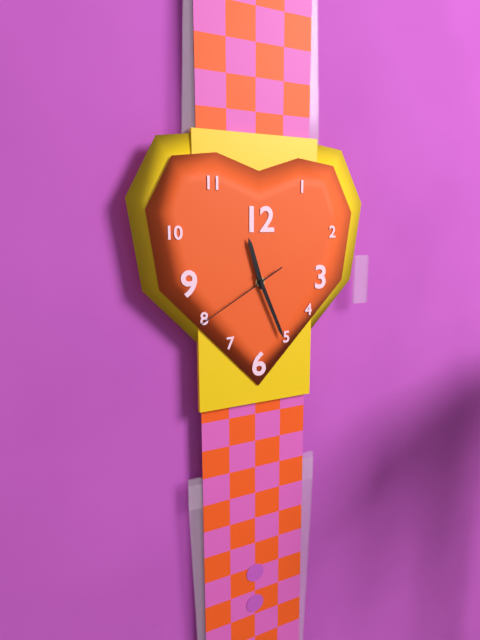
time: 11:26:40
